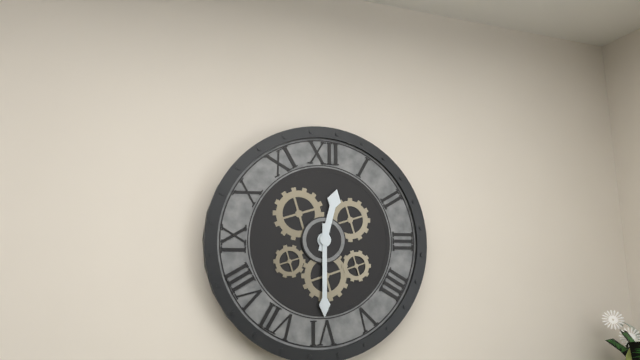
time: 12:30
